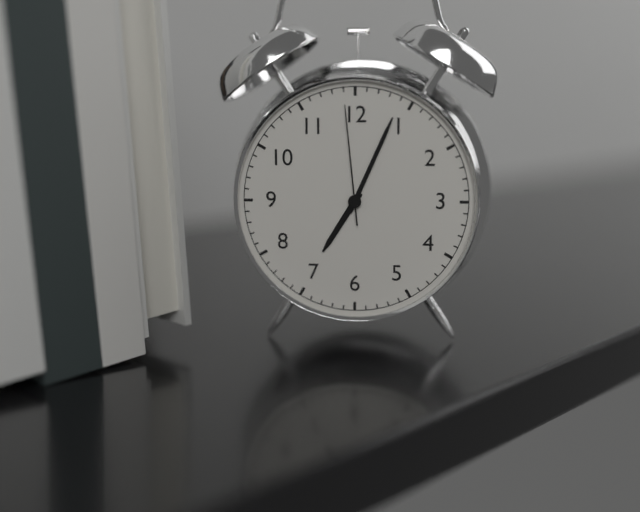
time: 7:04:59
